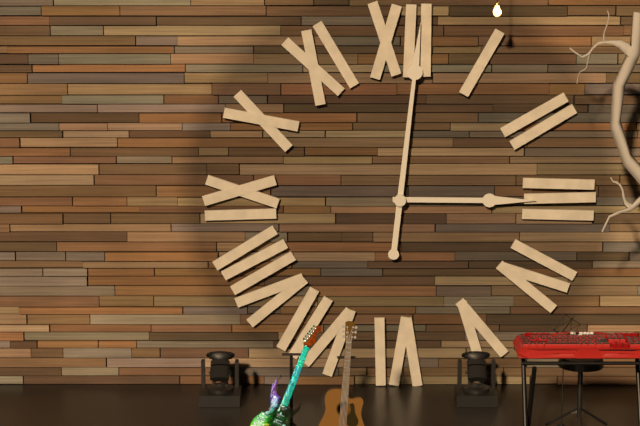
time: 3:01
